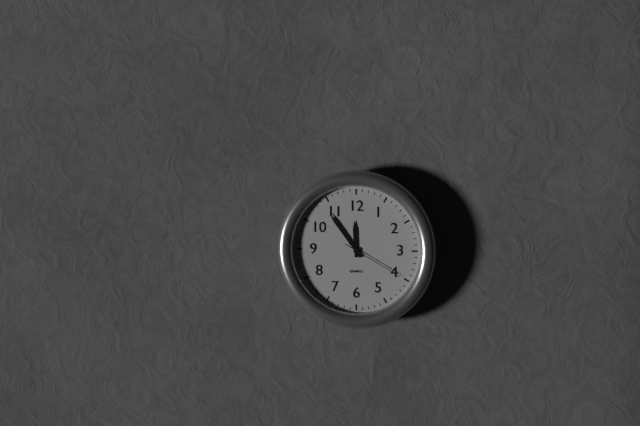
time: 11:54:20
